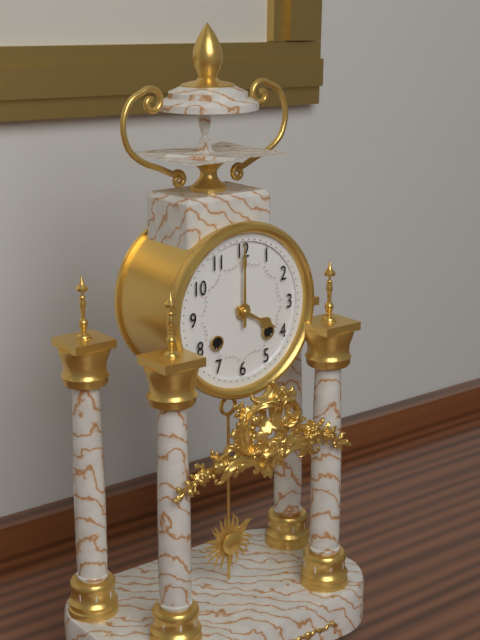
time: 4:00
